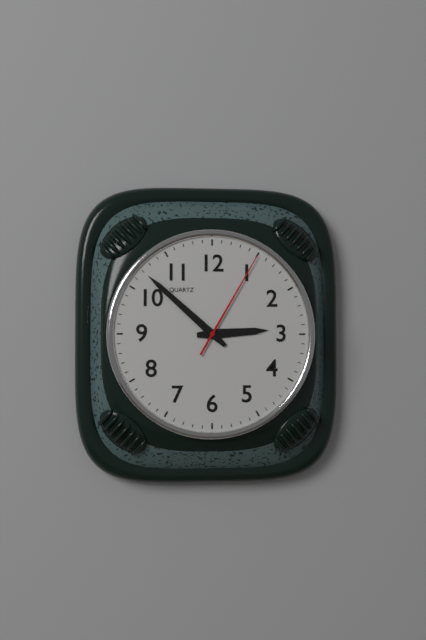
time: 2:52:05
